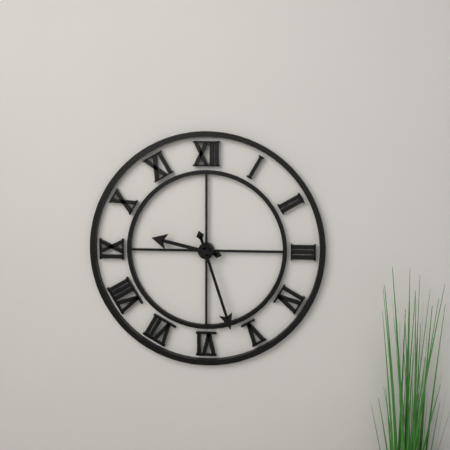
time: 9:27
